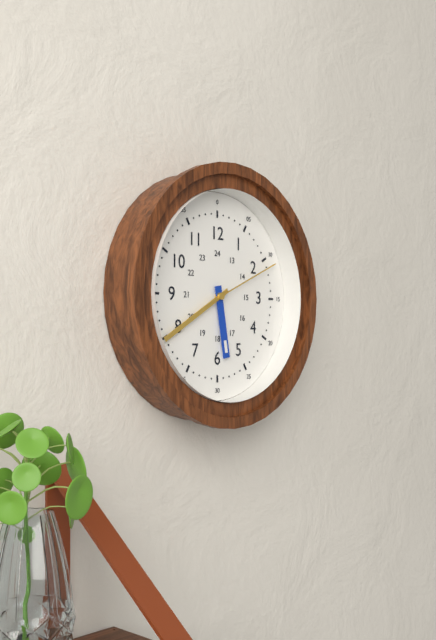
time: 5:40:11
